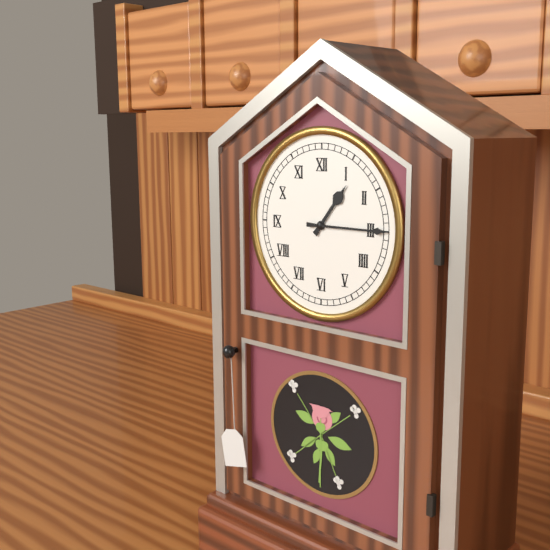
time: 1:15
